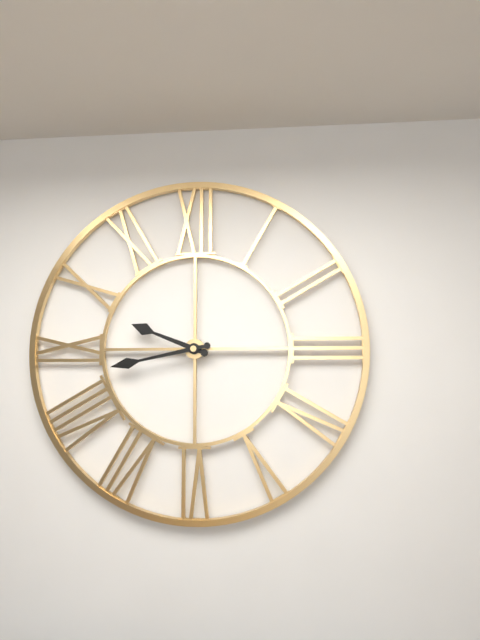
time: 9:43
